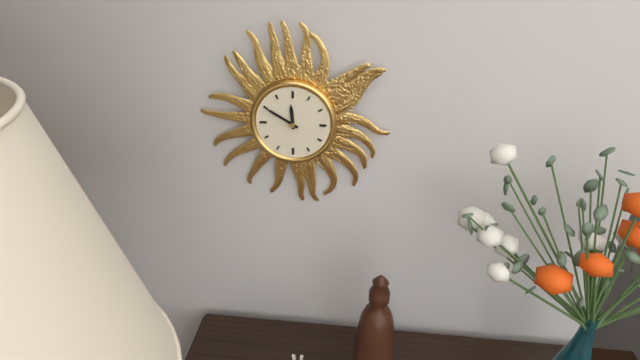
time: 11:50
